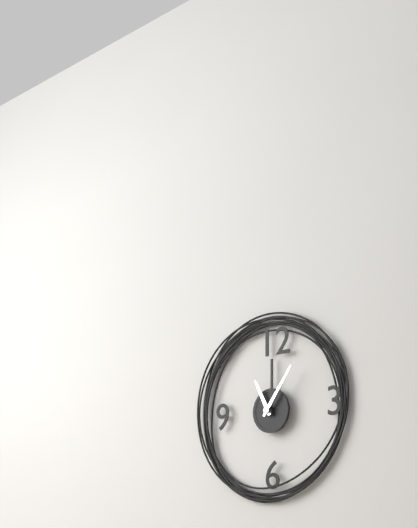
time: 11:06
